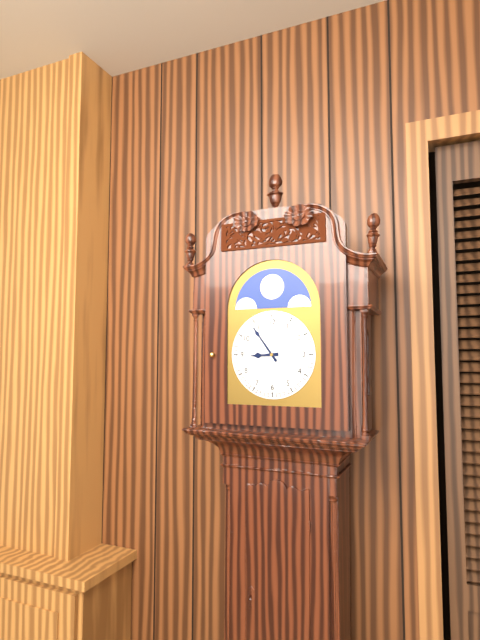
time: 8:54
